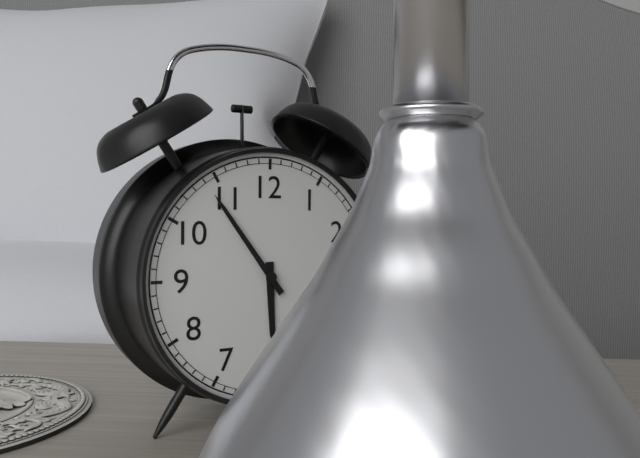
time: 5:54
